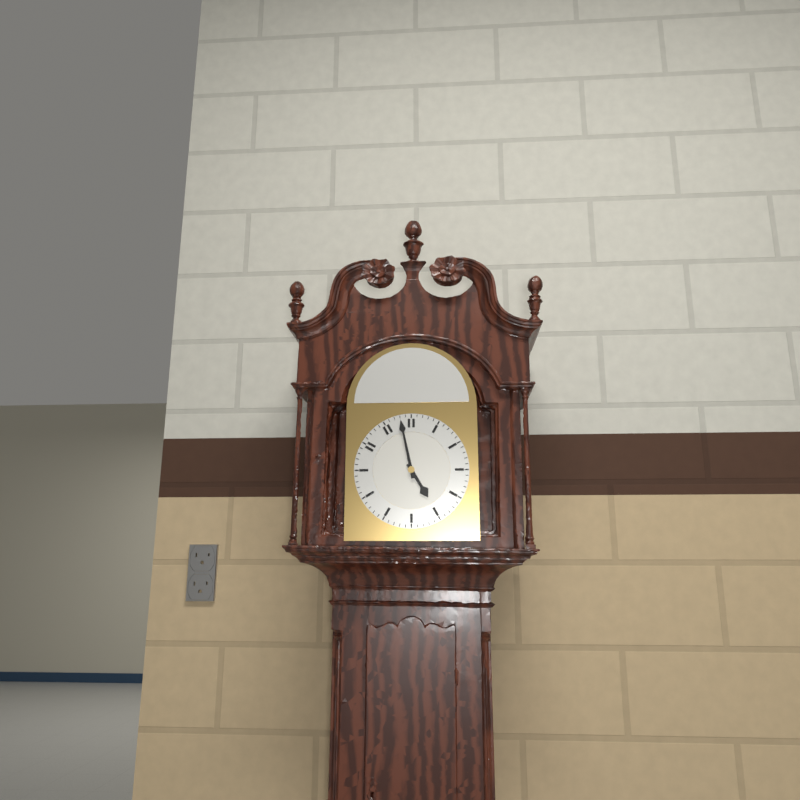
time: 4:58
